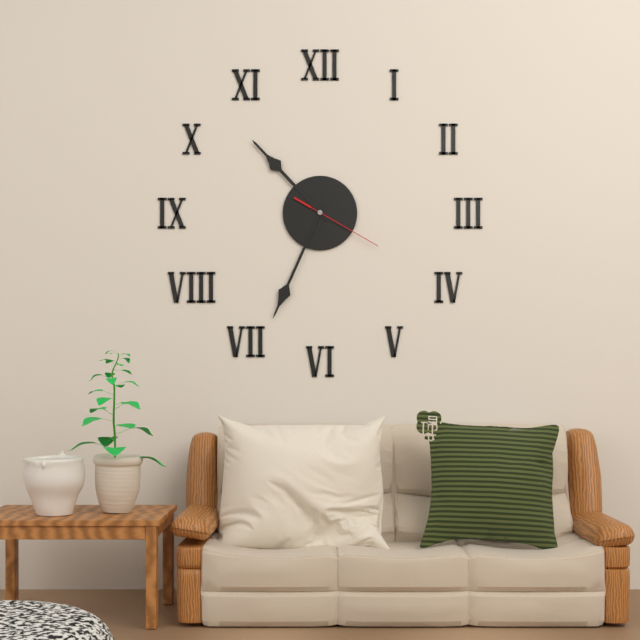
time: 10:34:20
